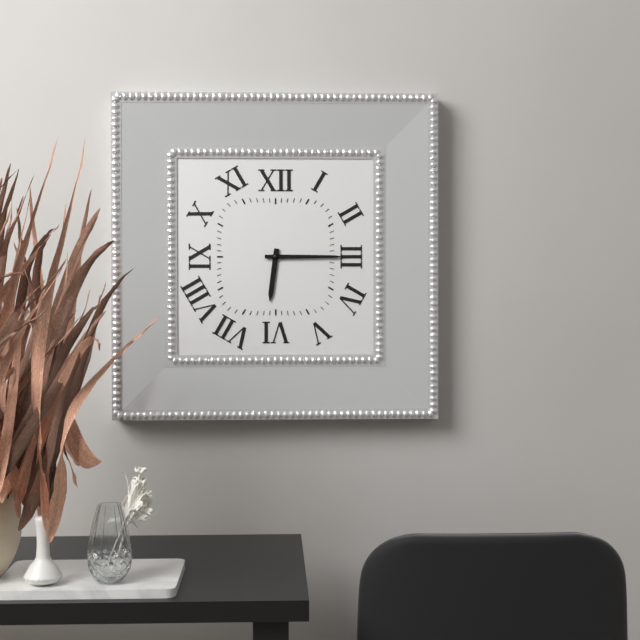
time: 6:15
